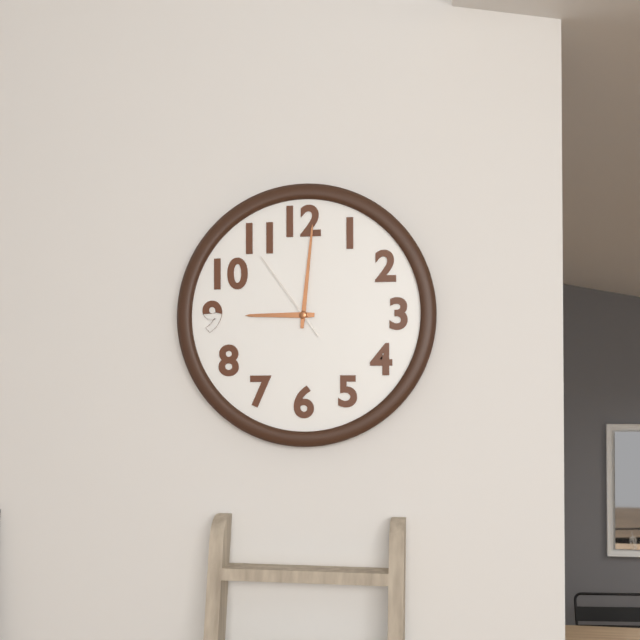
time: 9:01:54
